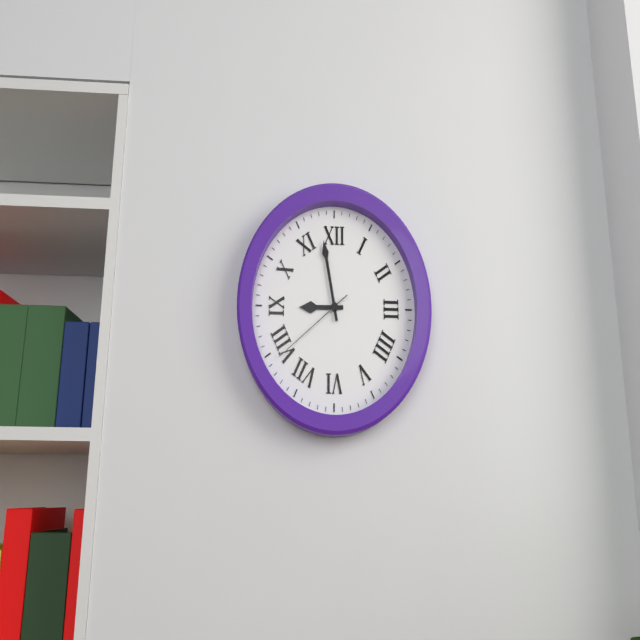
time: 8:58:39
